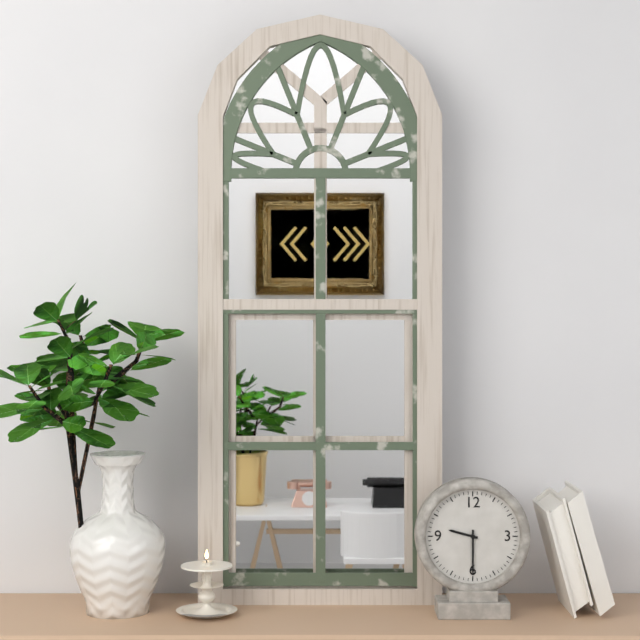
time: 9:30
